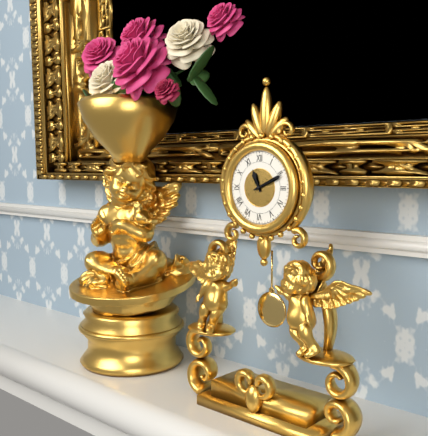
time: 11:11
